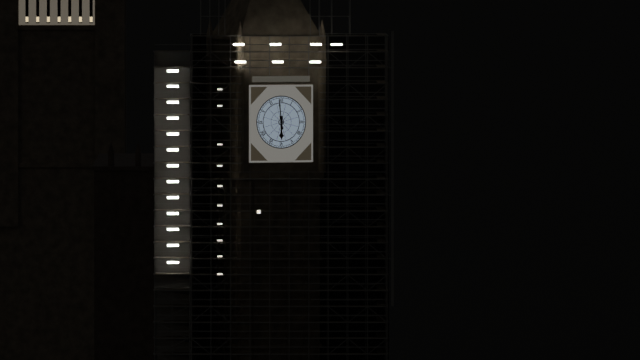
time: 5:59
